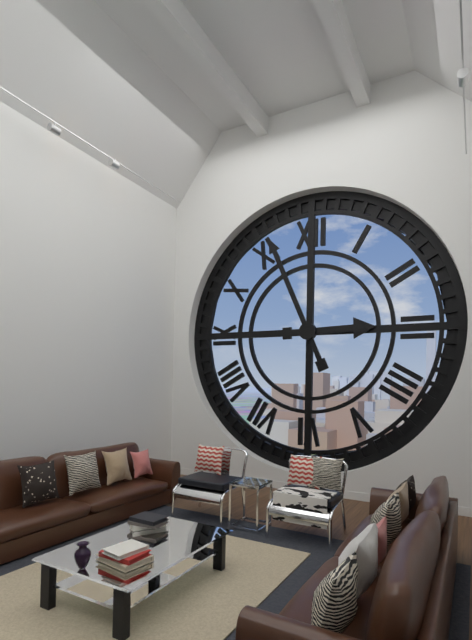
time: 2:56
